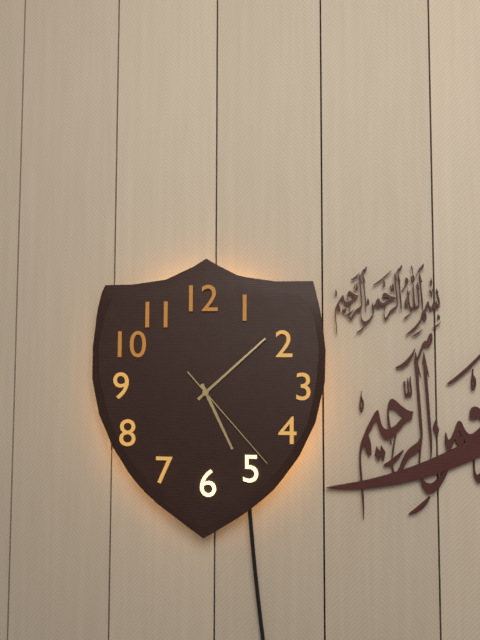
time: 5:08:23
